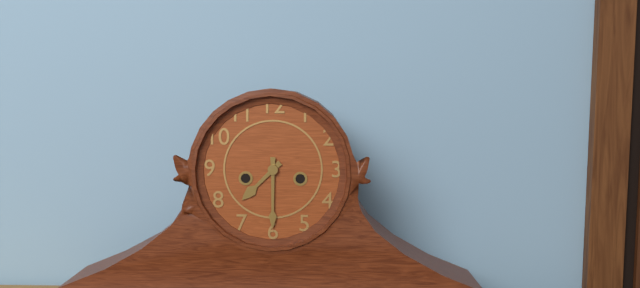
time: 7:30
